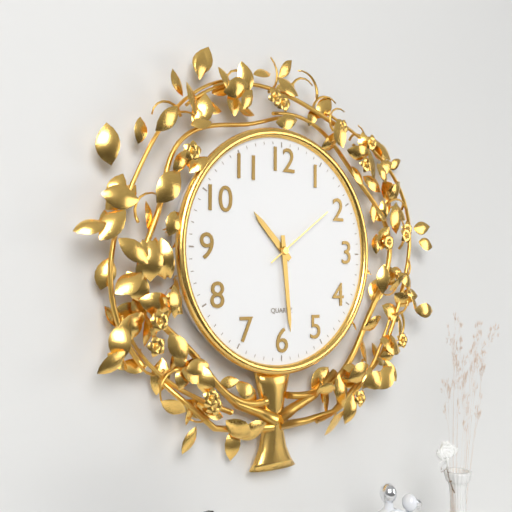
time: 10:29:09
